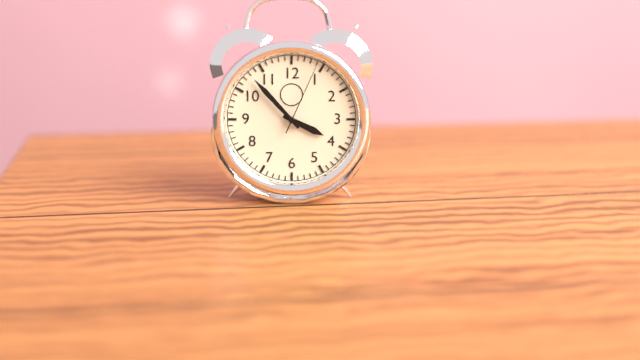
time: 3:53:04
